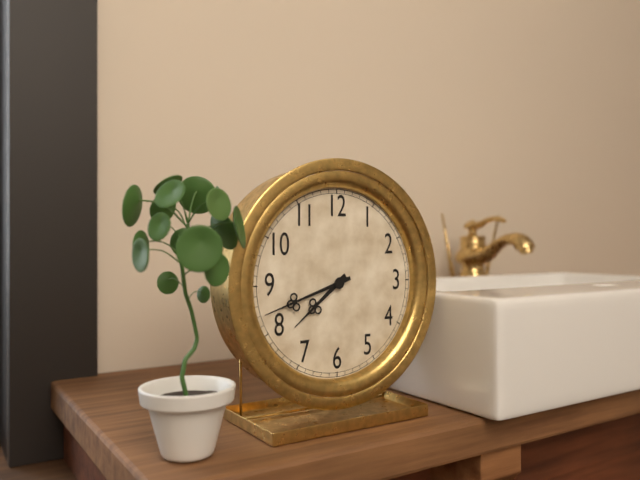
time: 7:42
